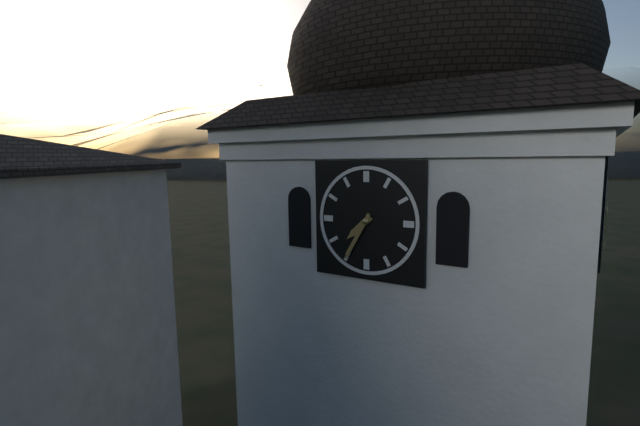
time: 7:35
